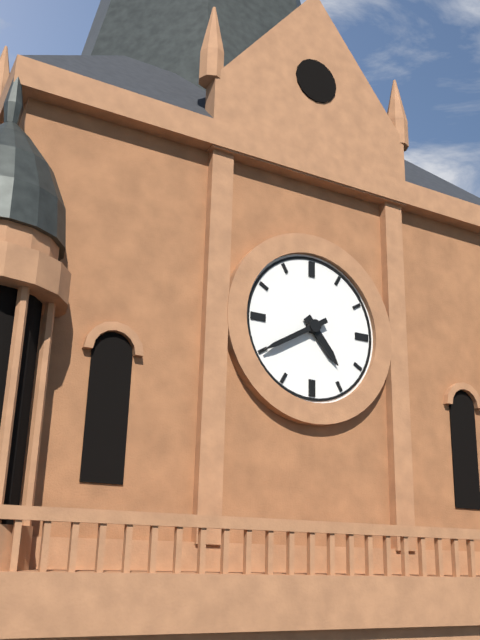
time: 4:40
